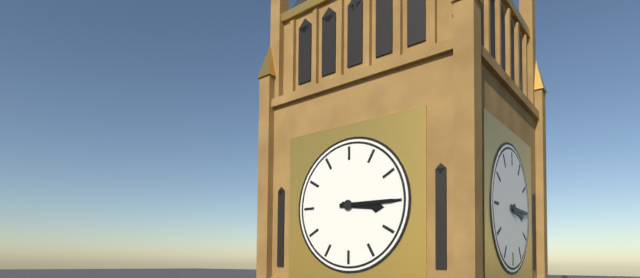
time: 3:15
